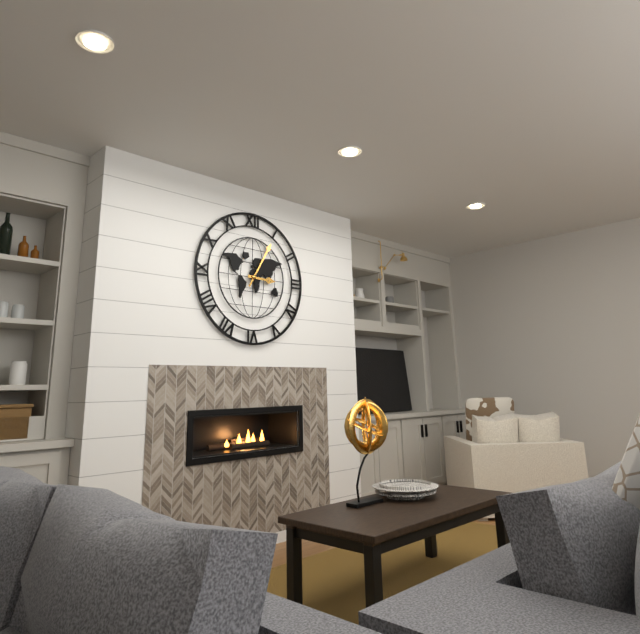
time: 3:05
